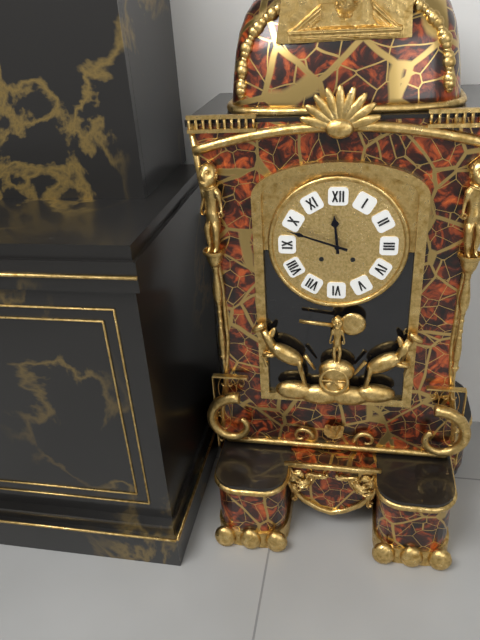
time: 11:48
